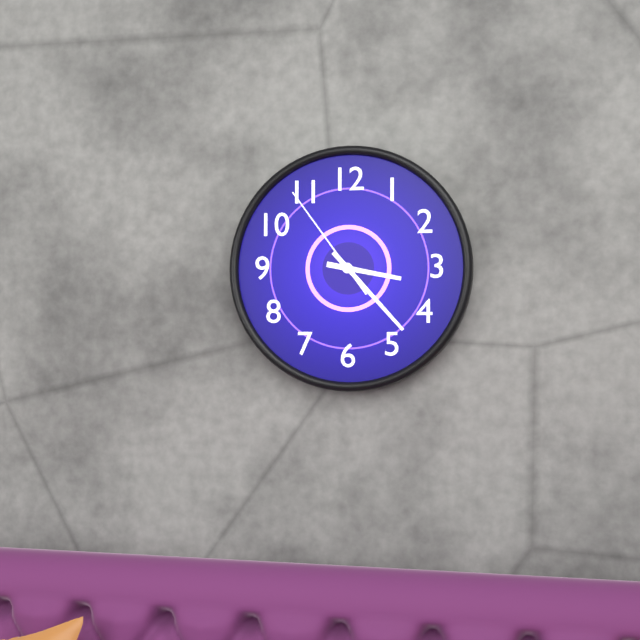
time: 3:23:54
